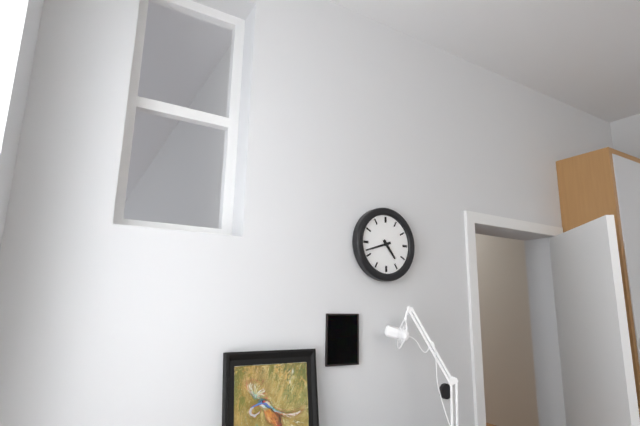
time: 4:42
